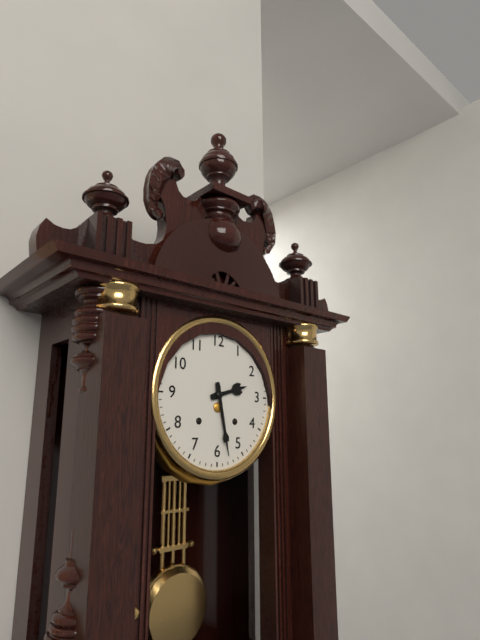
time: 2:28
